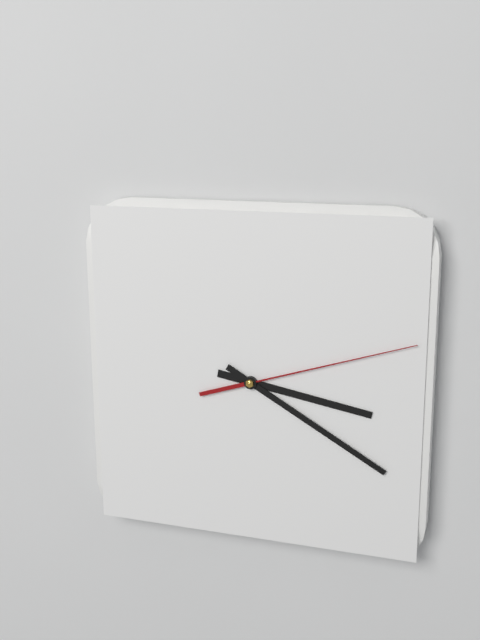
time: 3:20:12
